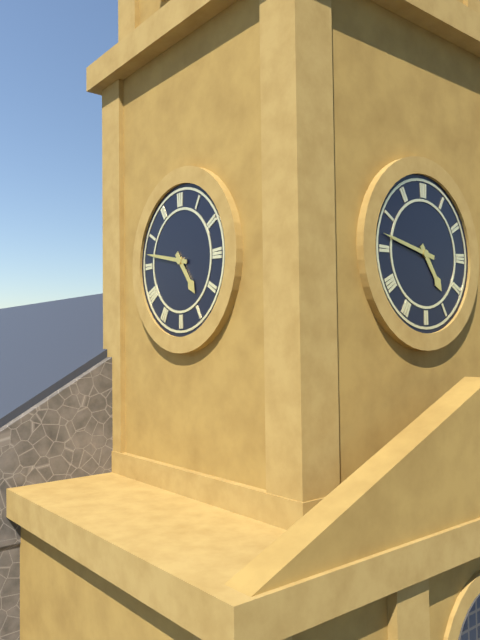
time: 4:47
